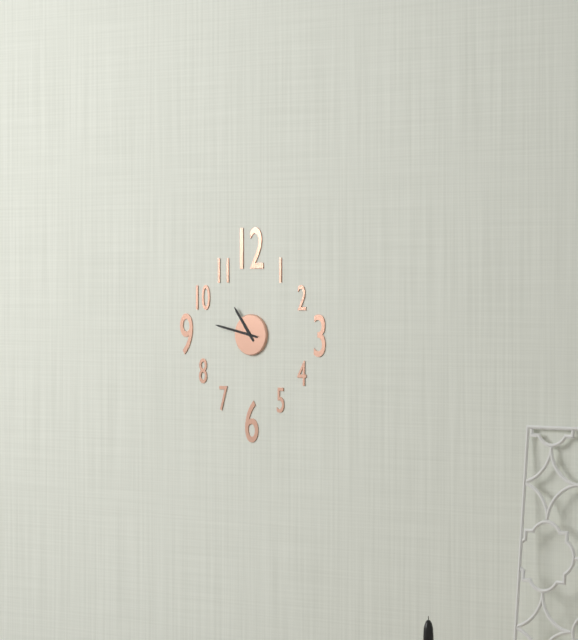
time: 10:47
